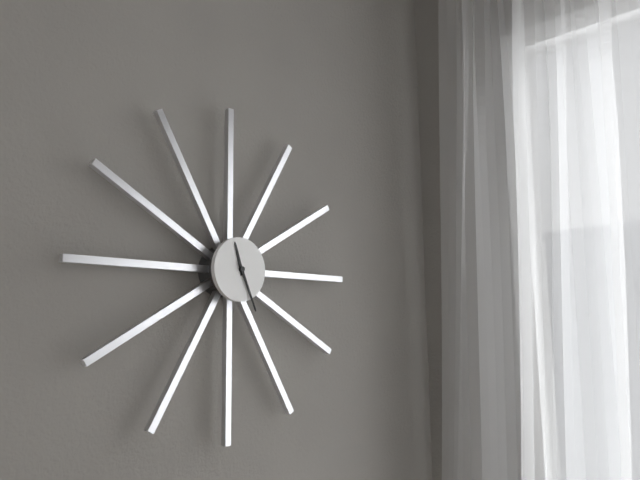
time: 11:26
